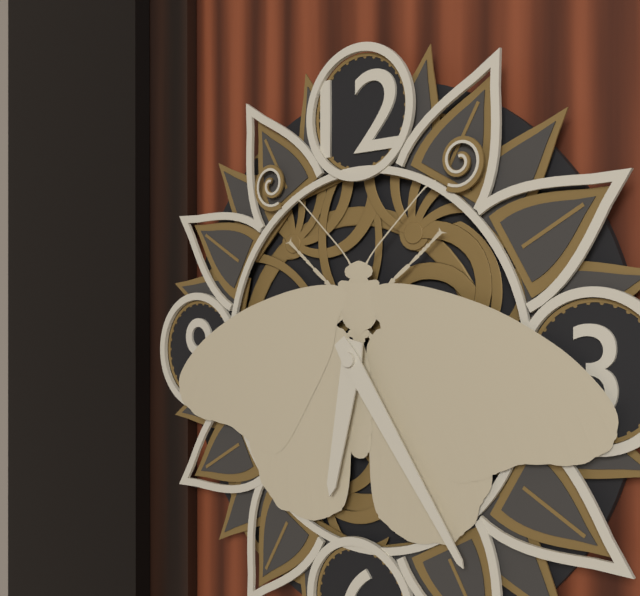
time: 6:24
